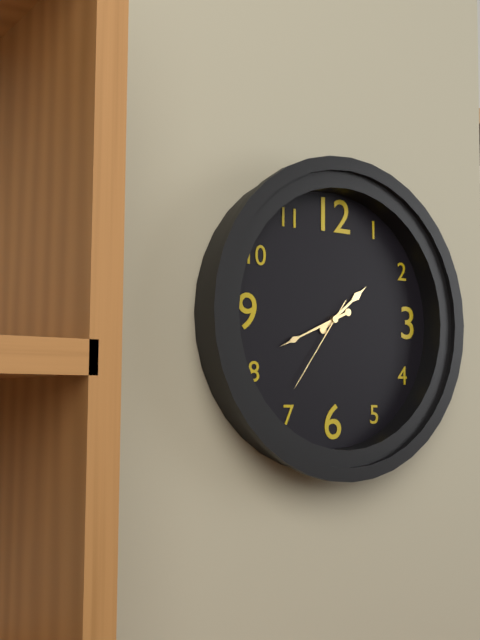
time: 1:41:36
